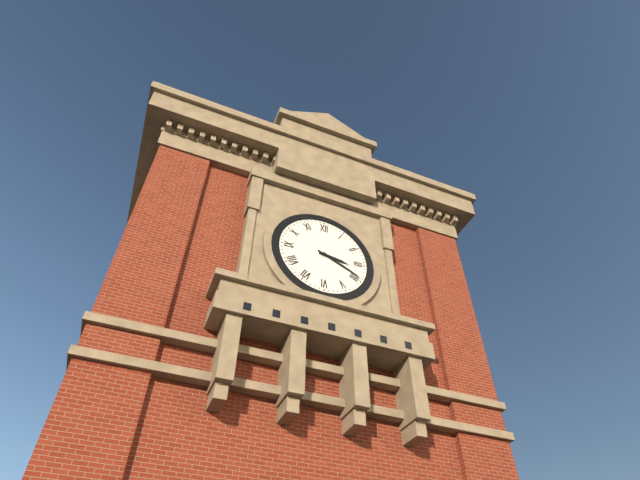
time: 3:19
